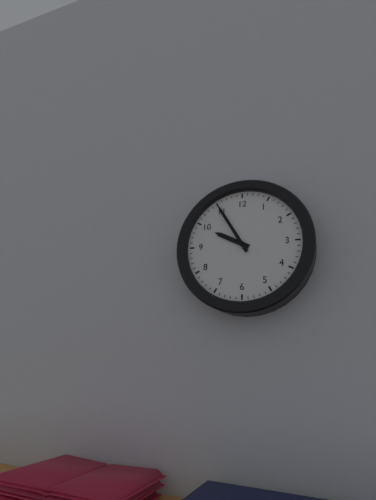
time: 9:55
